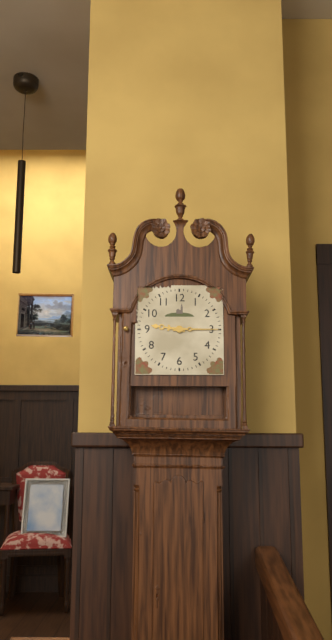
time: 9:15
